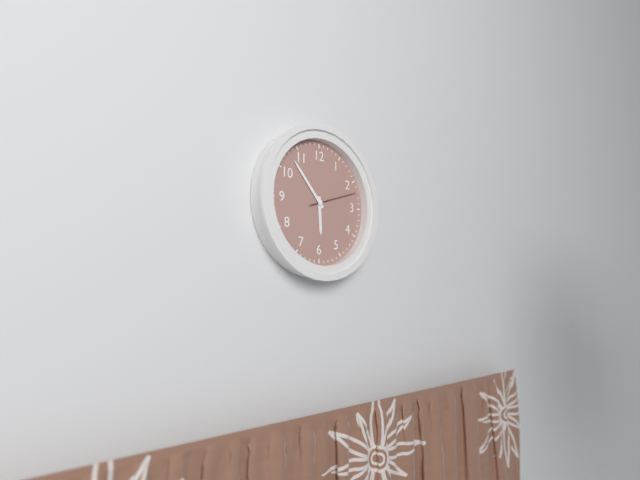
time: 5:53:12
